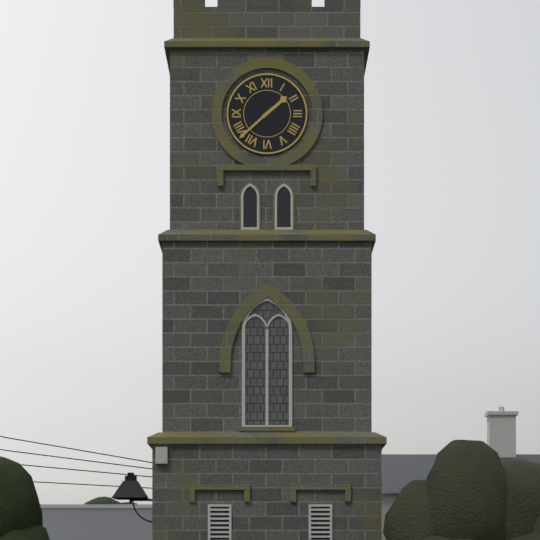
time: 1:38
